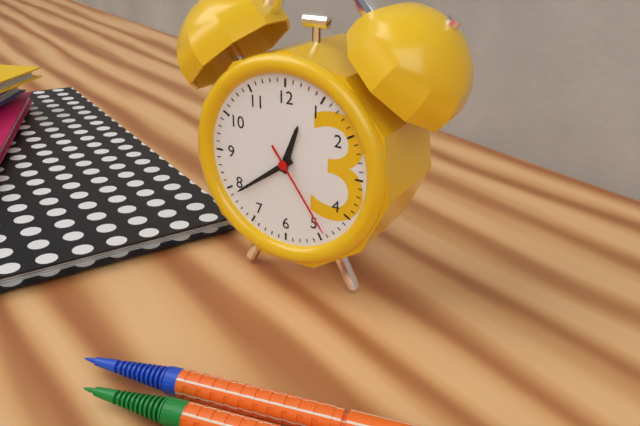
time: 12:39:24
